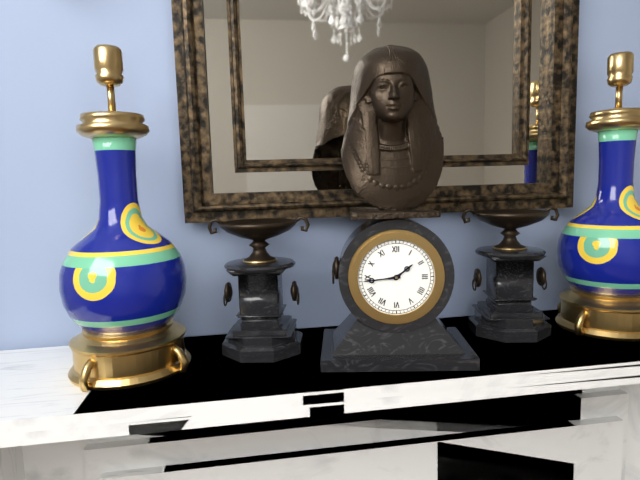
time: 1:44
